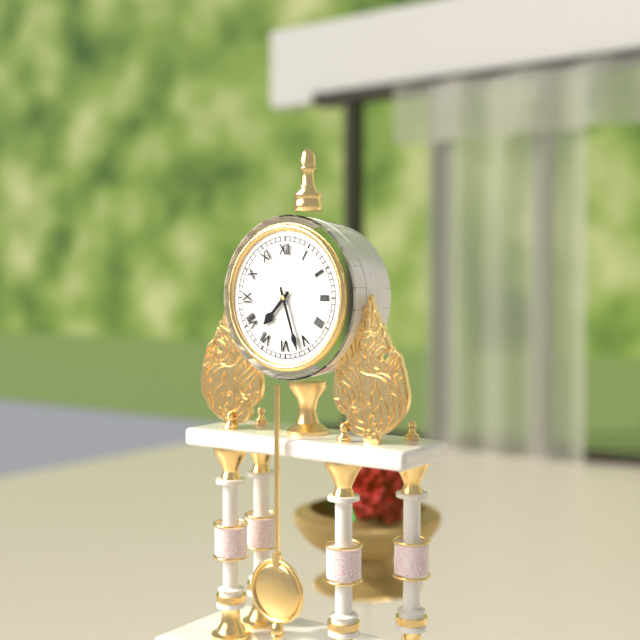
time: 7:27
